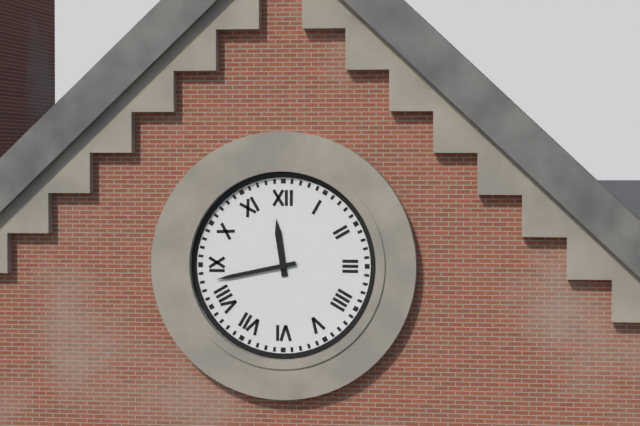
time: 11:43
